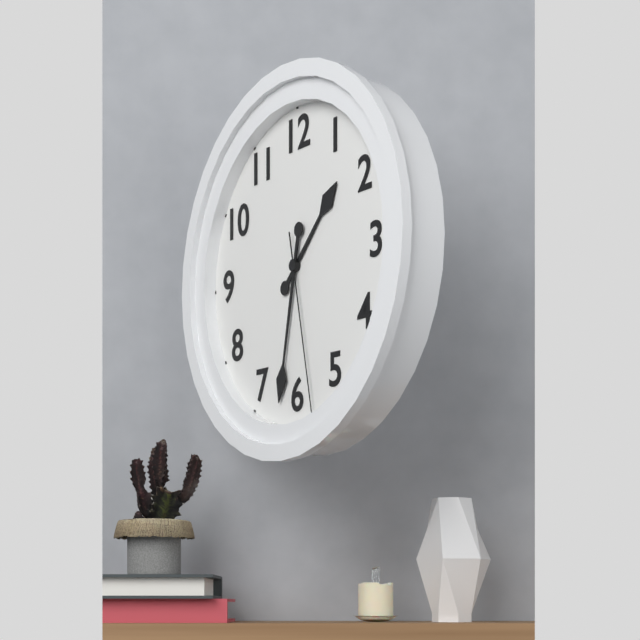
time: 1:32:28
